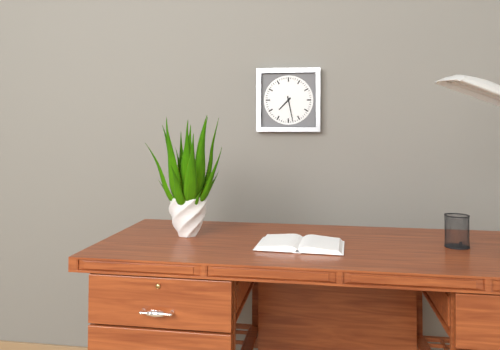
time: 7:28
